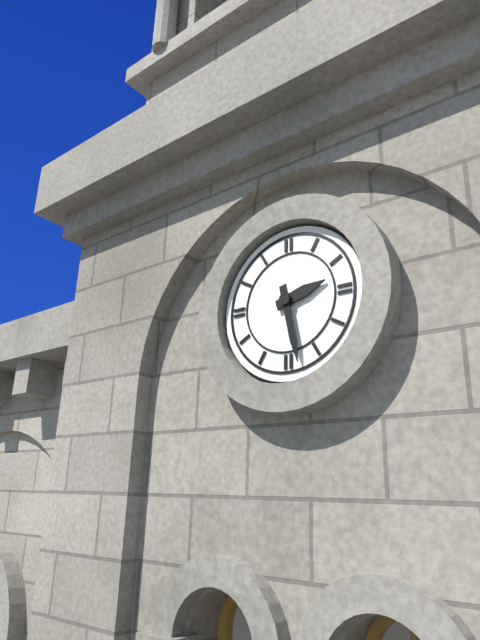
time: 2:28
